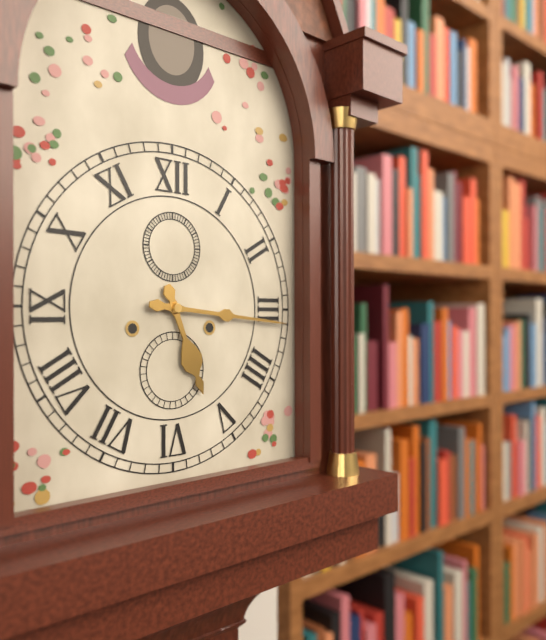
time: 5:16
